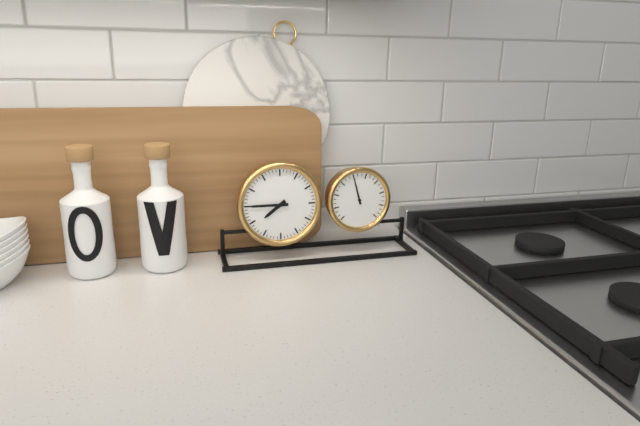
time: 7:45
